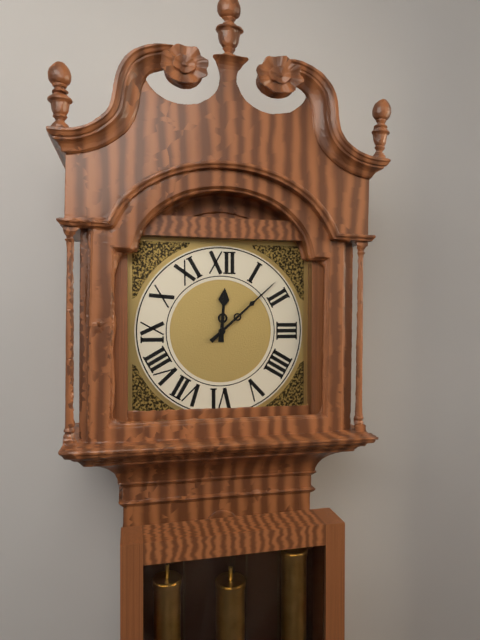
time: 12:08
